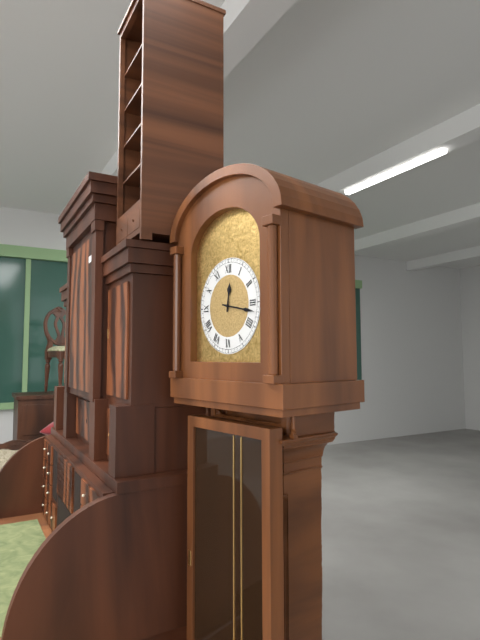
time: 12:17
